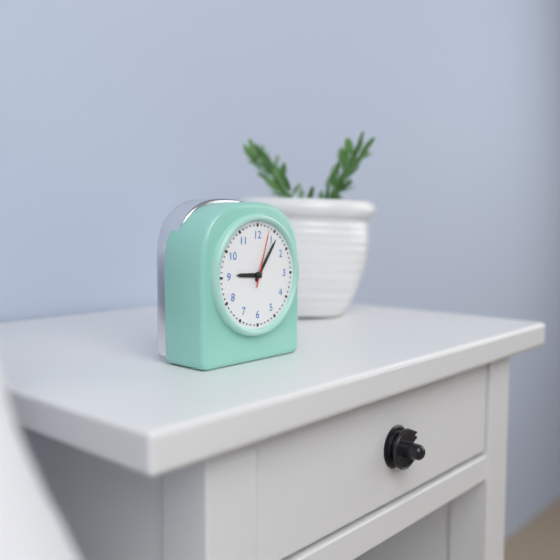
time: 9:06:03
